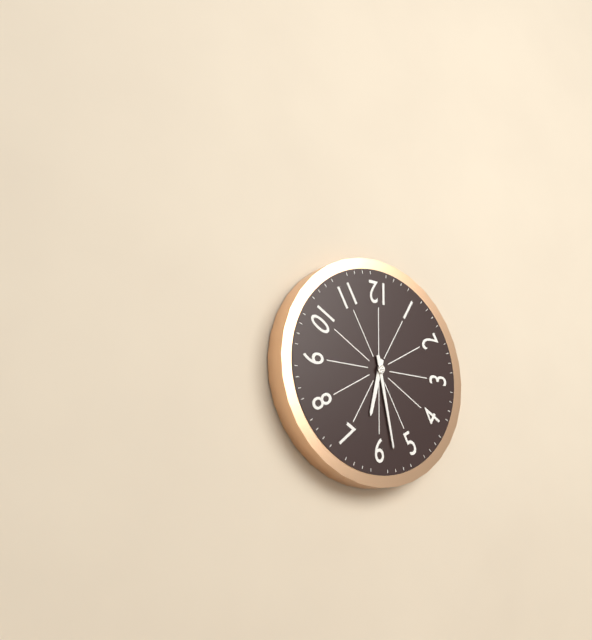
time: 6:28
